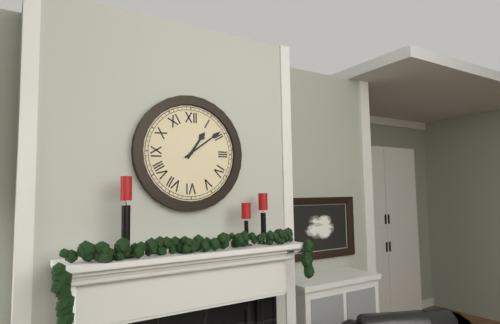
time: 1:09
